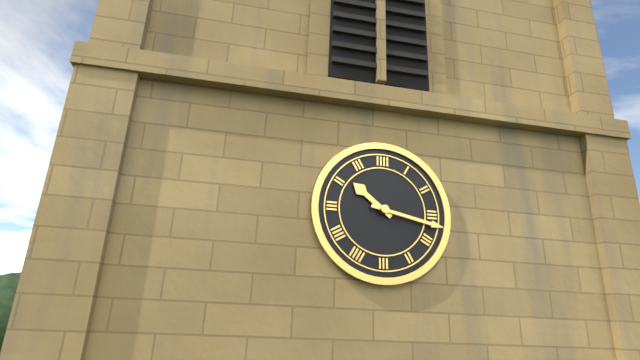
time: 10:17
